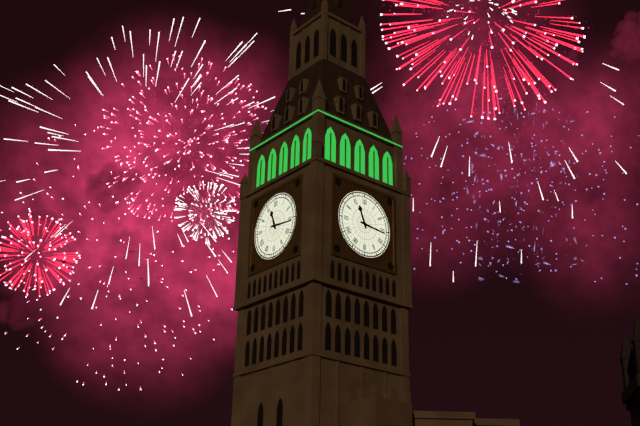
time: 11:16
